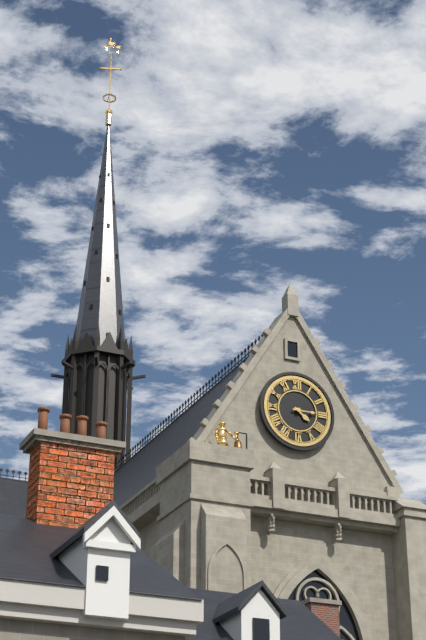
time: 4:15
